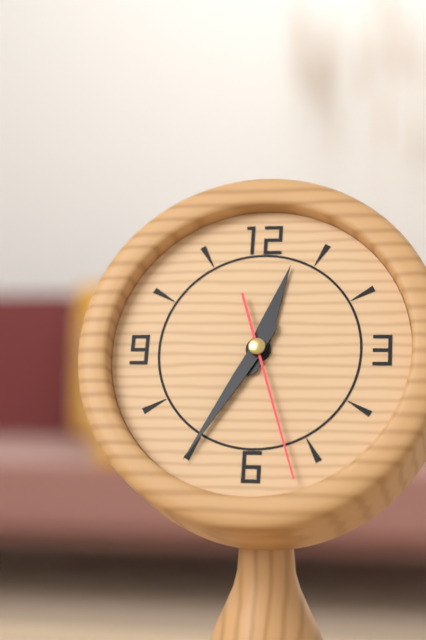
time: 12:35:27
